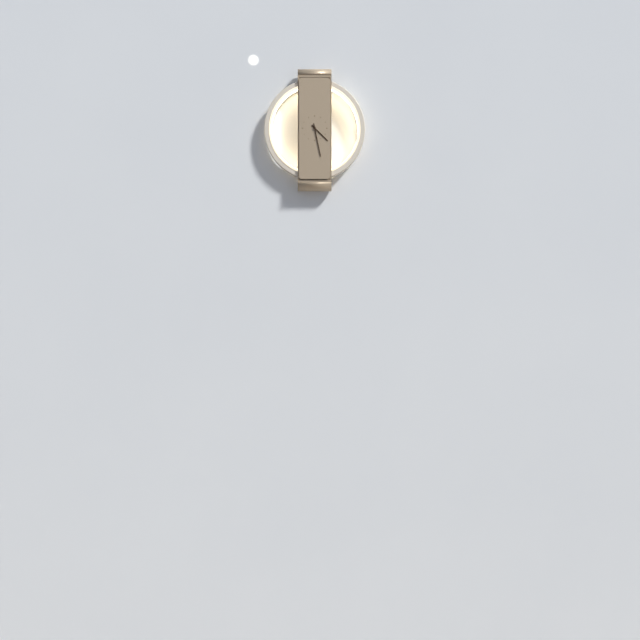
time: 4:28
